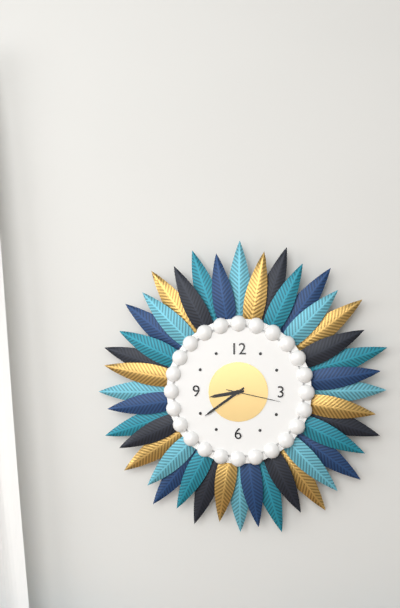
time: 8:39:17
